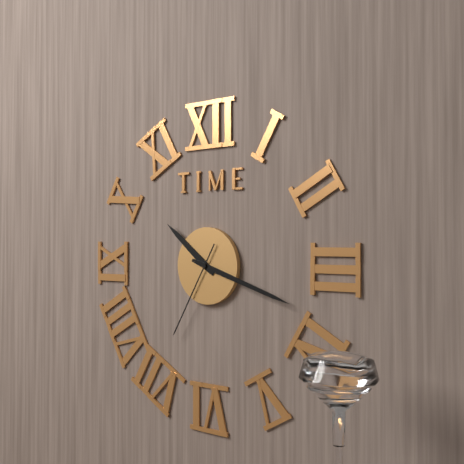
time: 10:18:35
